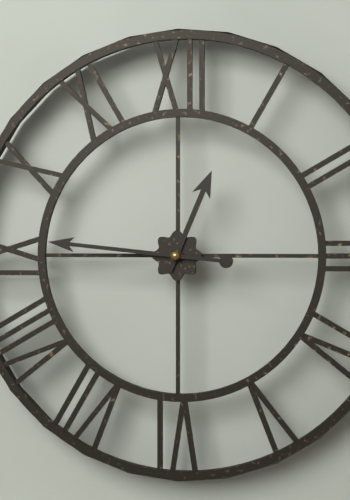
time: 12:46
